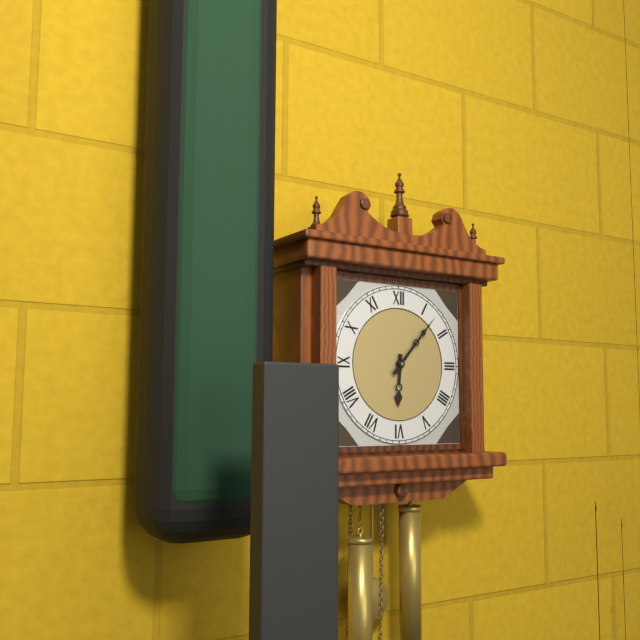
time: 6:07
